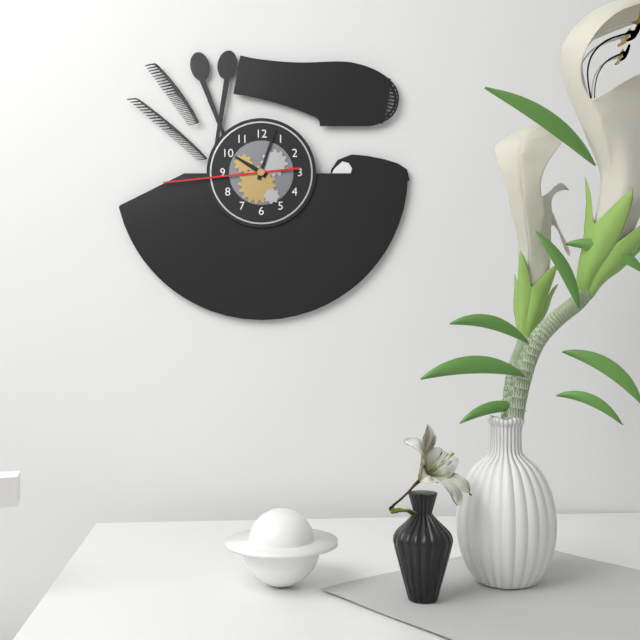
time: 10:03:44
